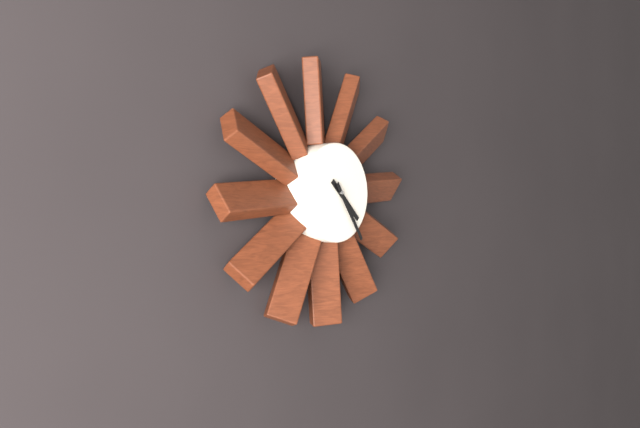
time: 4:24
